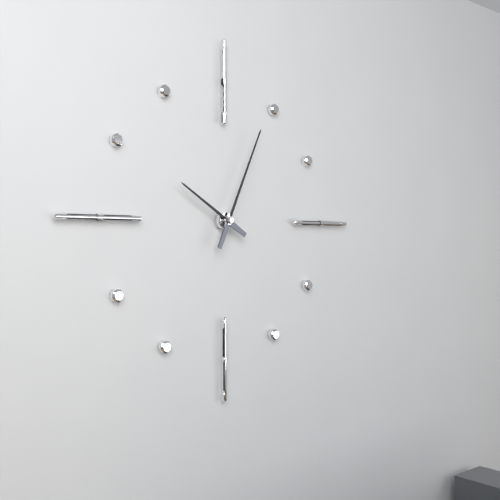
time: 10:04
